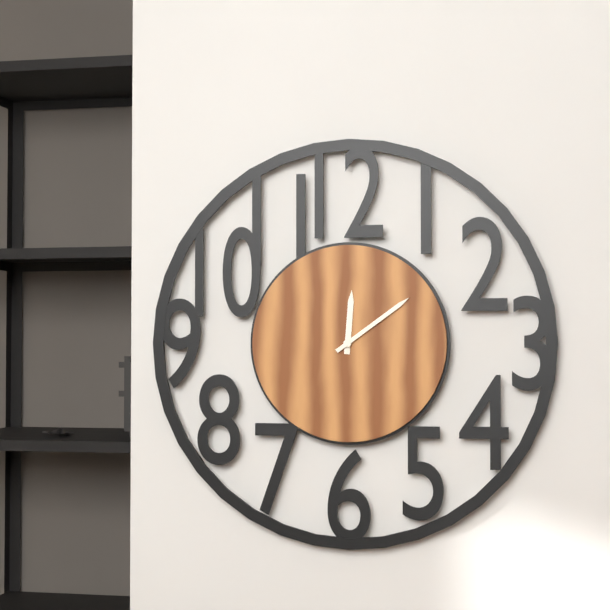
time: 12:09
